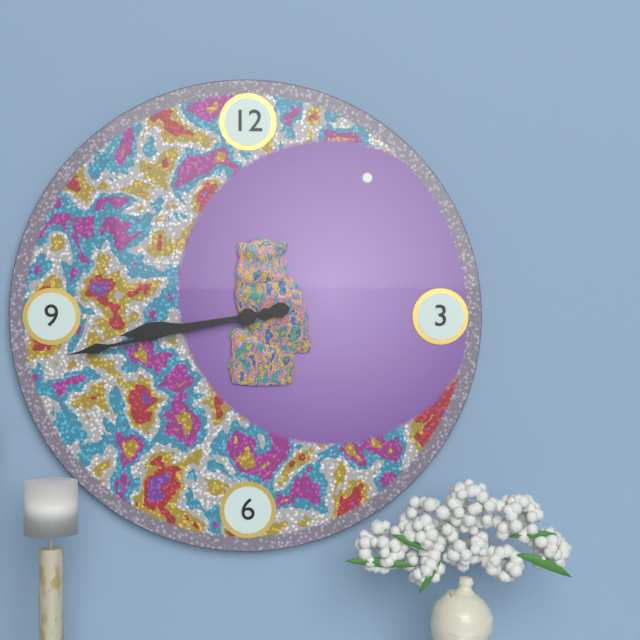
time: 8:43
